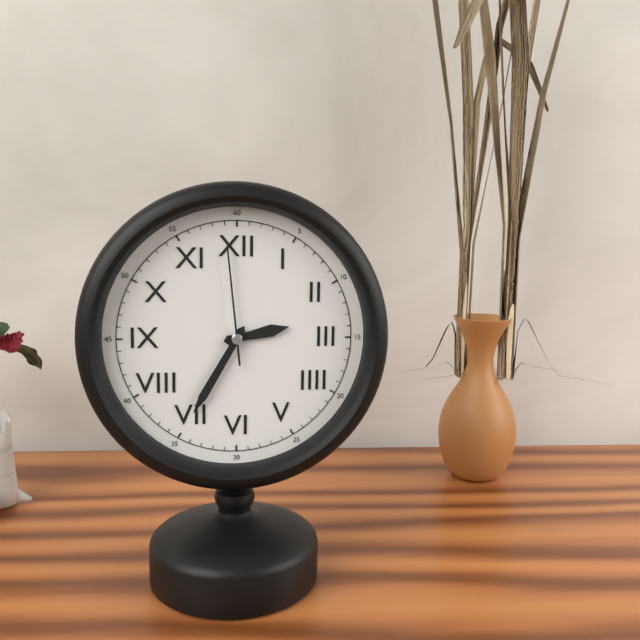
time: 2:35:59
